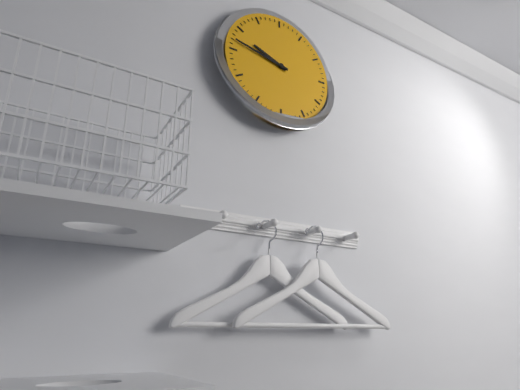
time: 9:47
